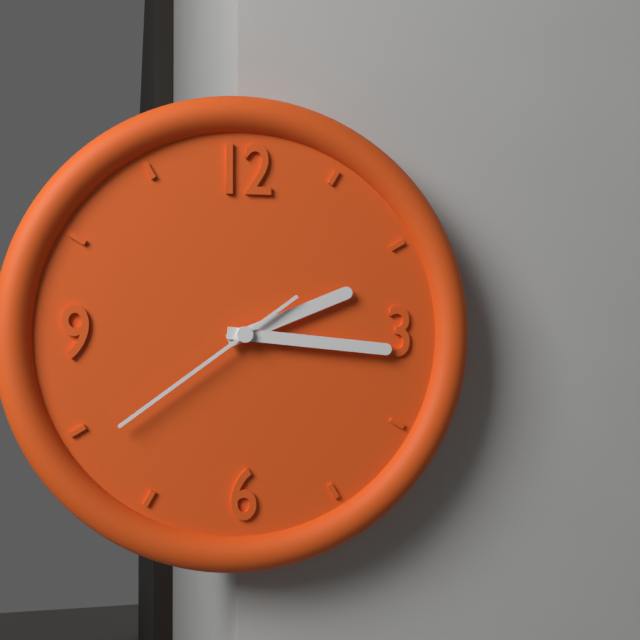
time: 2:16:39
